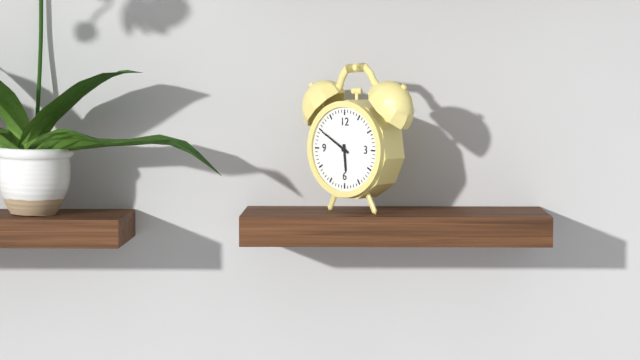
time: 5:50
